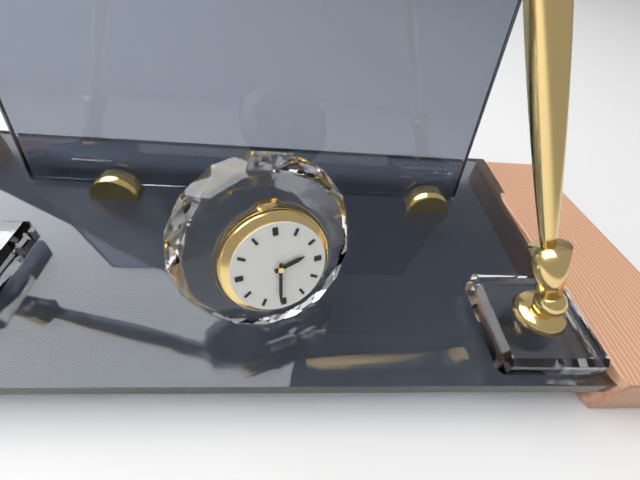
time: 2:31
